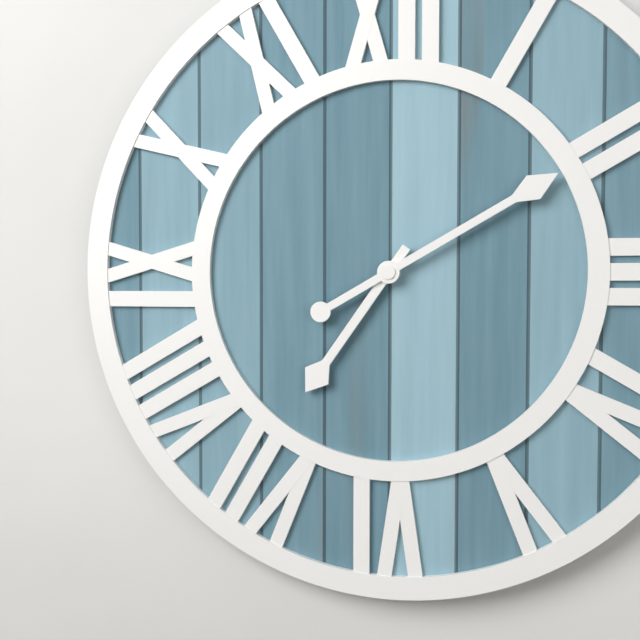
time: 7:10
